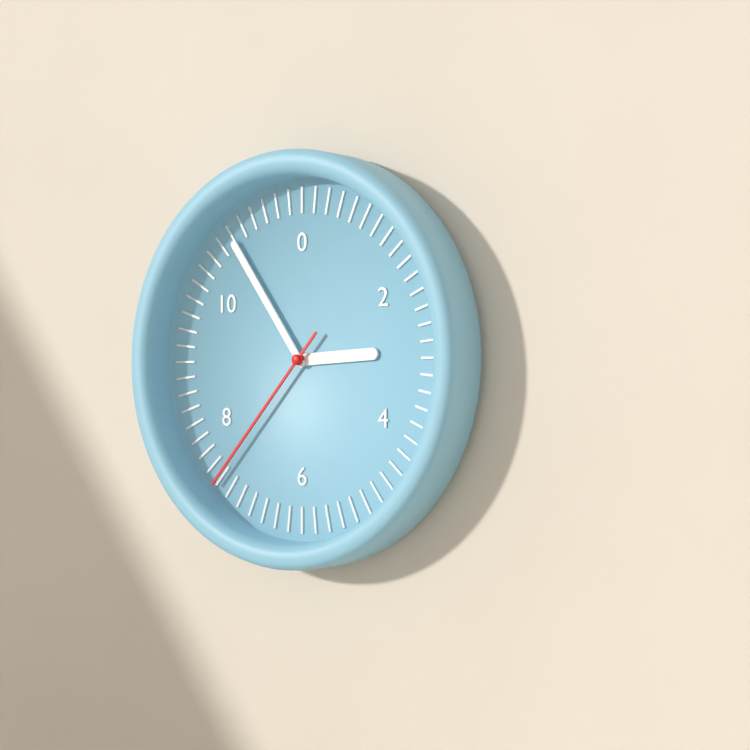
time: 2:54:37
